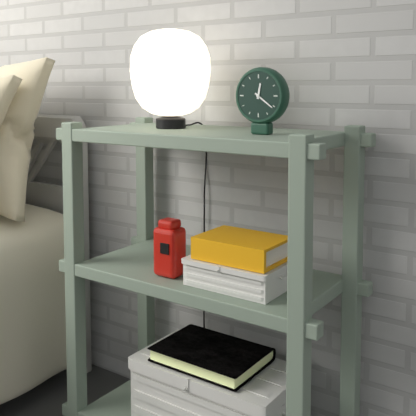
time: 12:21
